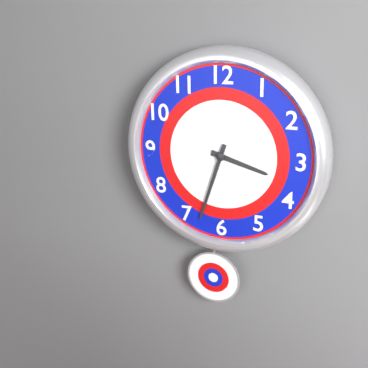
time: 3:33
